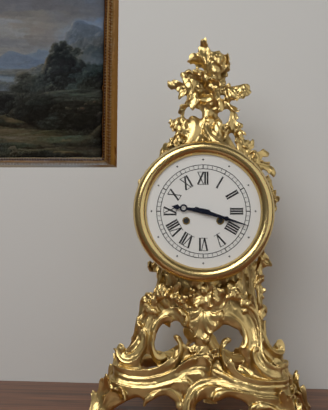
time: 9:18
